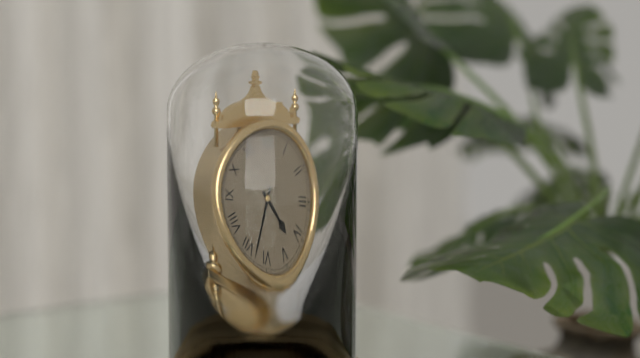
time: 4:33
